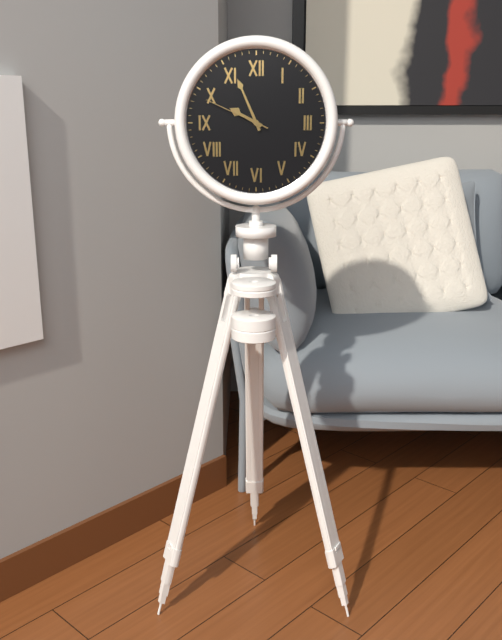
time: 9:56:49
